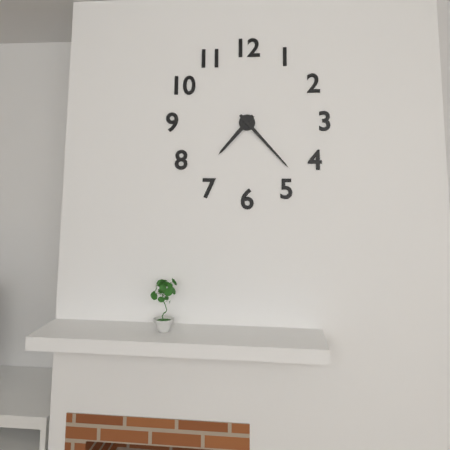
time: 7:23
